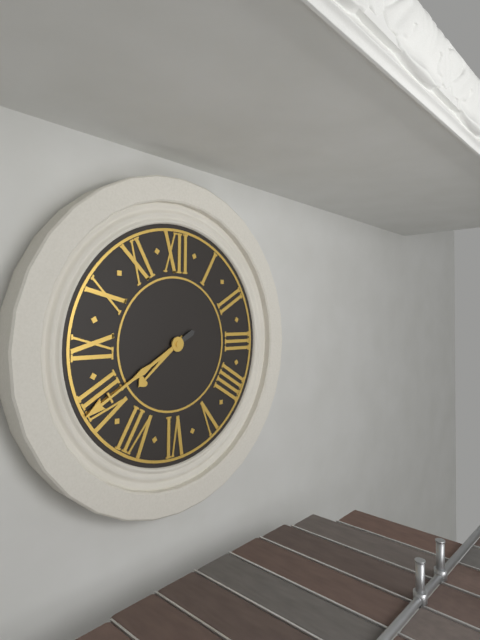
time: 7:40
